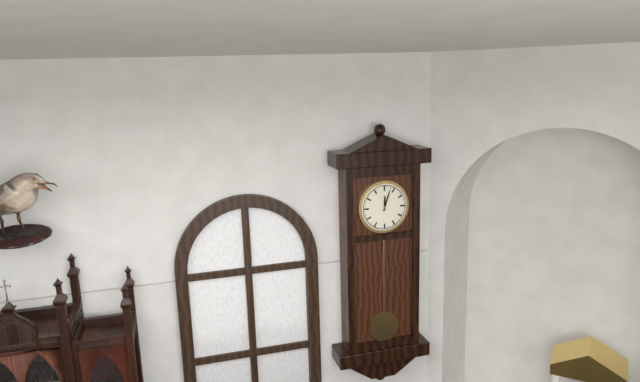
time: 12:03
